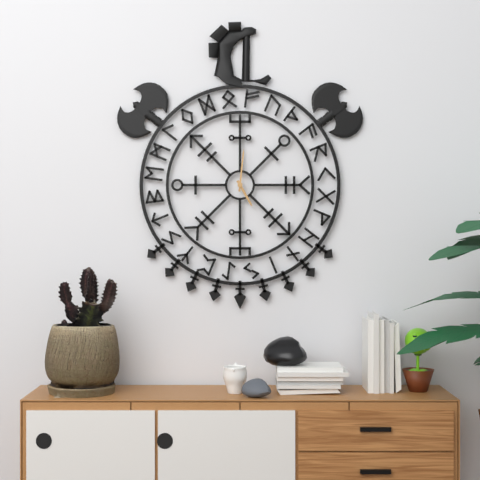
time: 5:01
